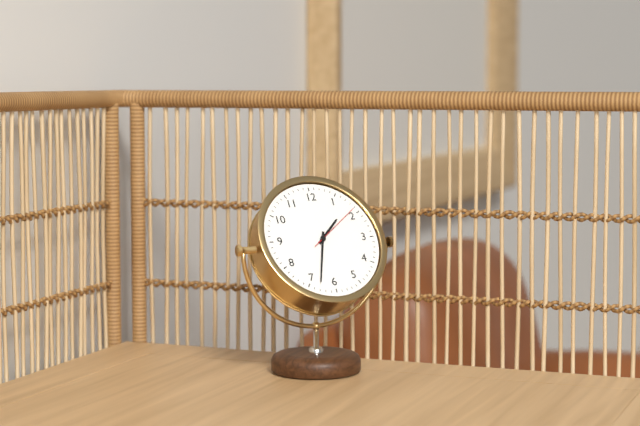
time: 1:33:09
